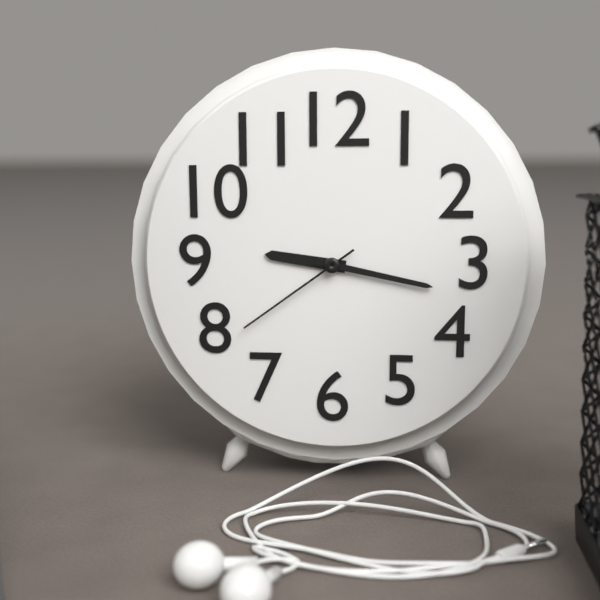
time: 9:17:39
